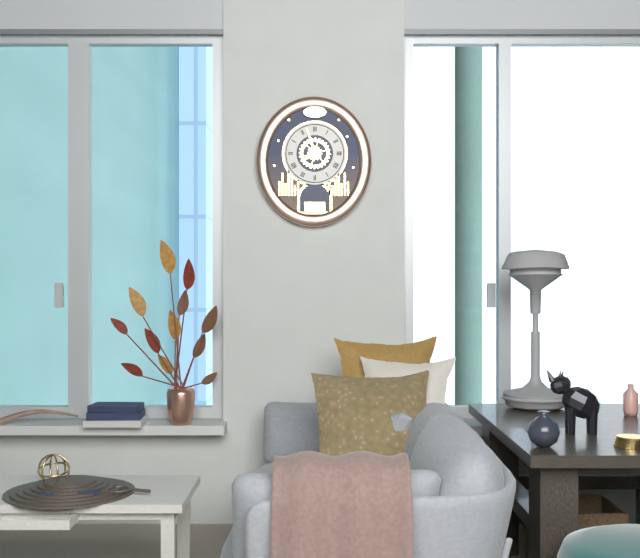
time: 7:57
